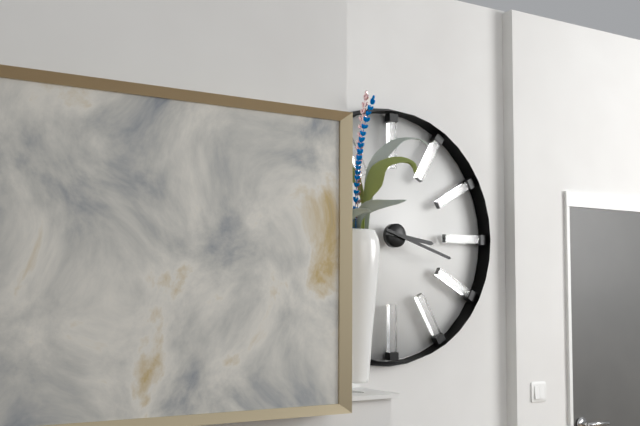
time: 3:18
